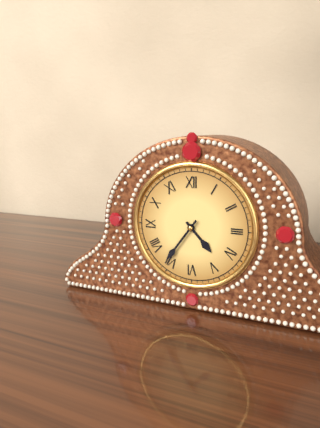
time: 4:36
